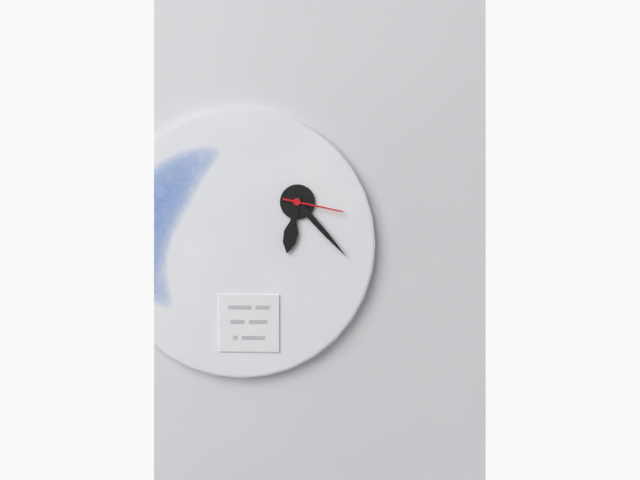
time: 6:23:17
